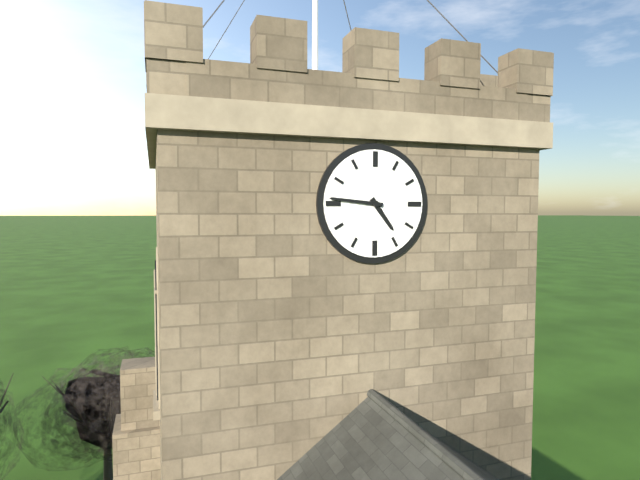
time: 4:46
